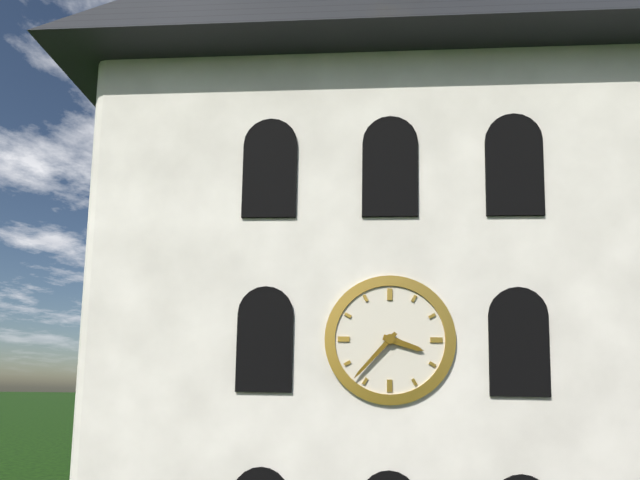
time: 3:37
